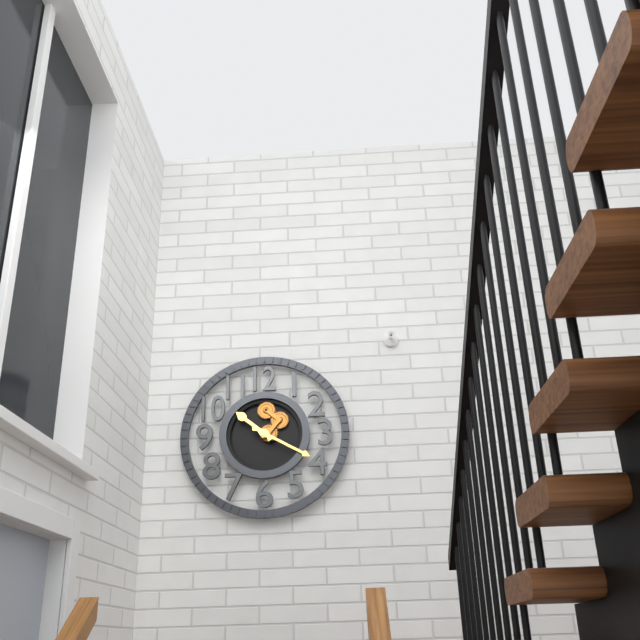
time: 10:20
